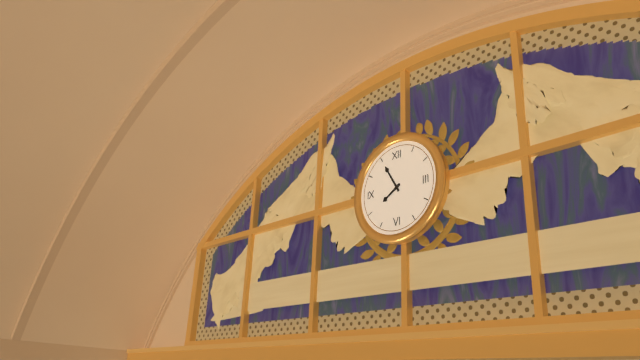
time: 7:55
